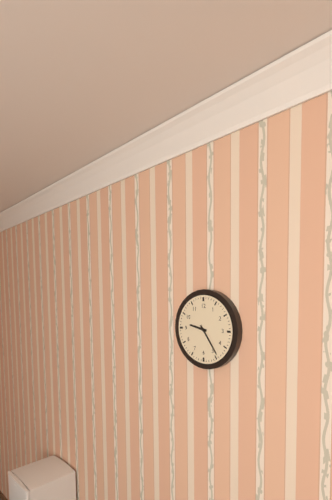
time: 9:24
